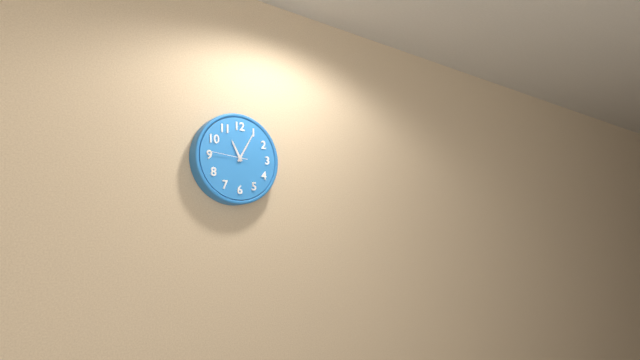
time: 11:05
